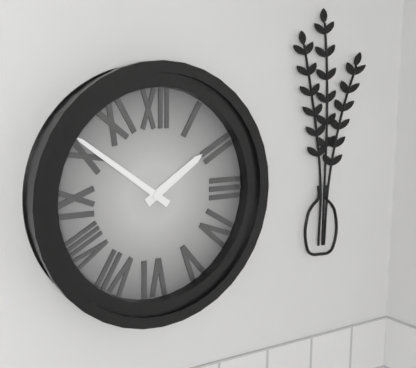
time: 1:51
